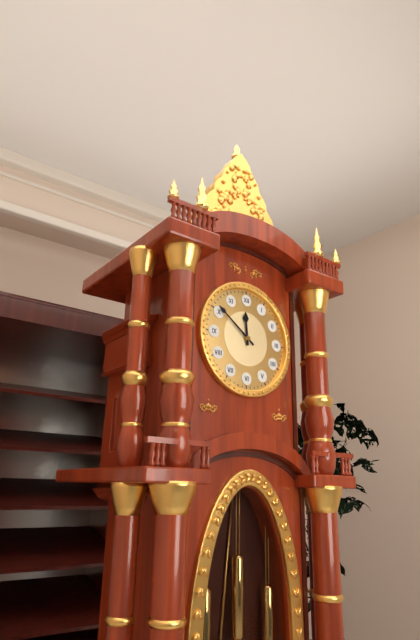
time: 11:51
